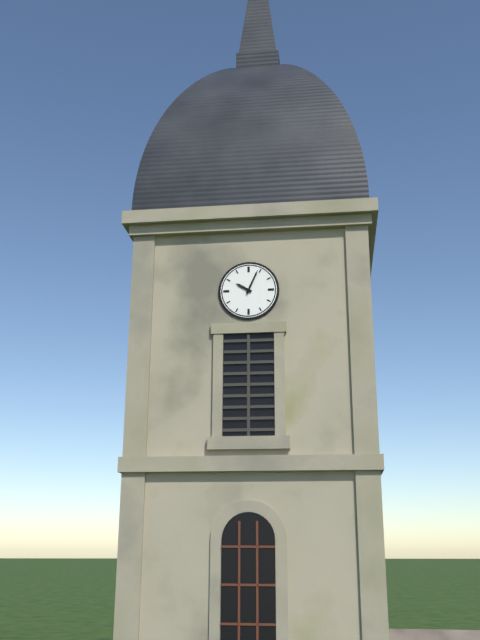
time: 10:04
